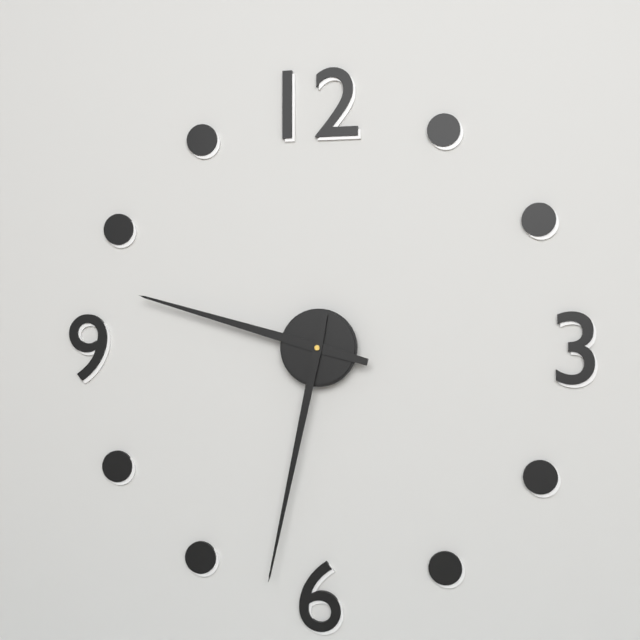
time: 9:32
